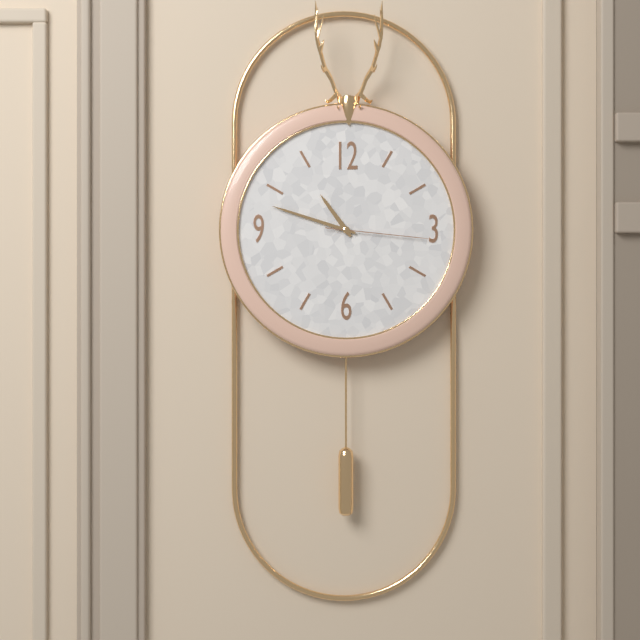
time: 10:48:16
